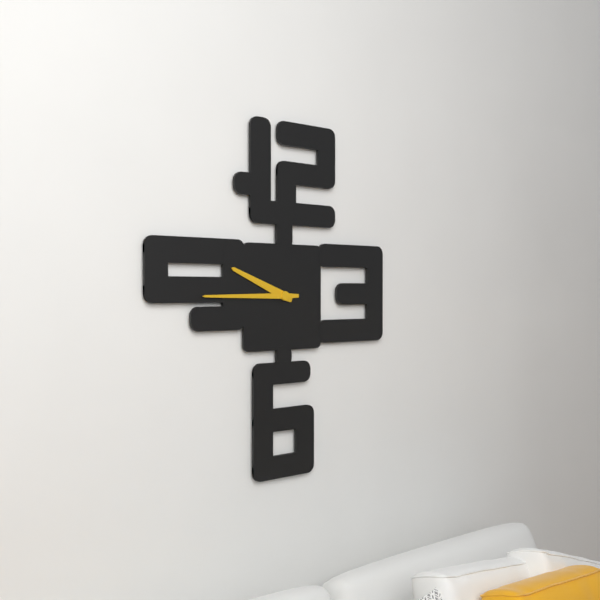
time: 9:45
